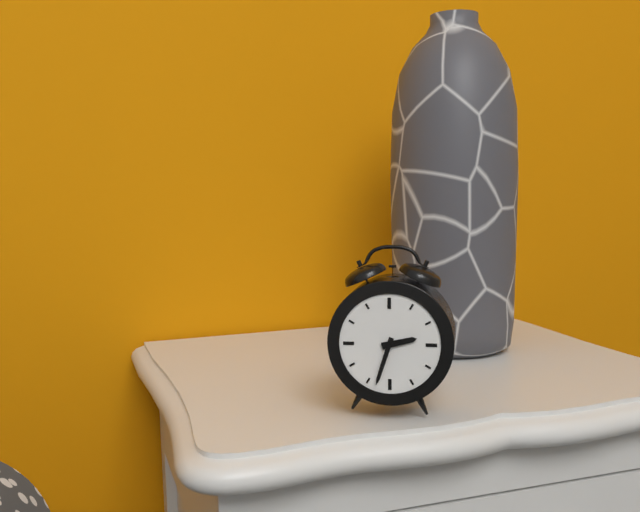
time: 2:33
